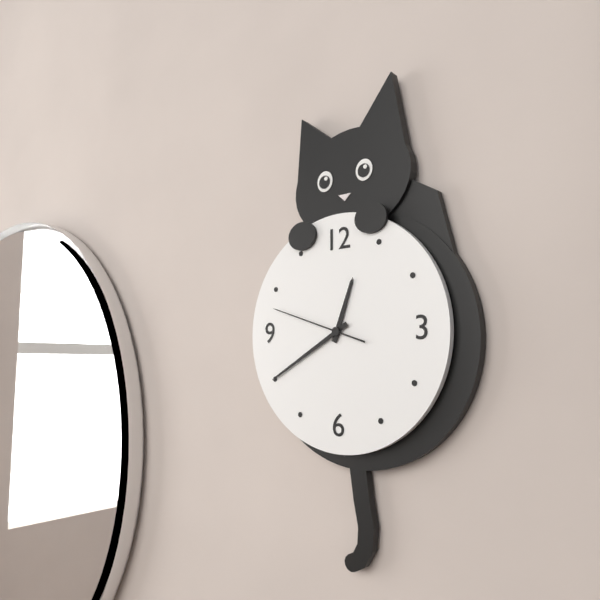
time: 12:40:48
